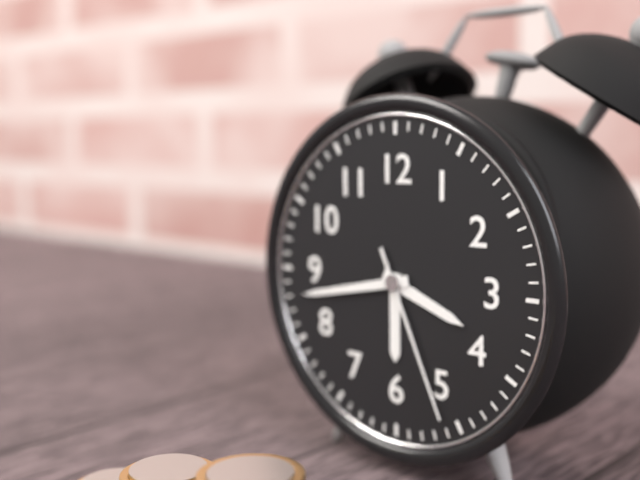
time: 3:43:26
